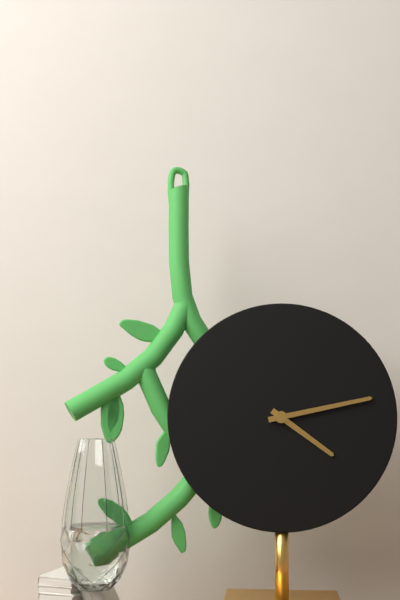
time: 4:13
